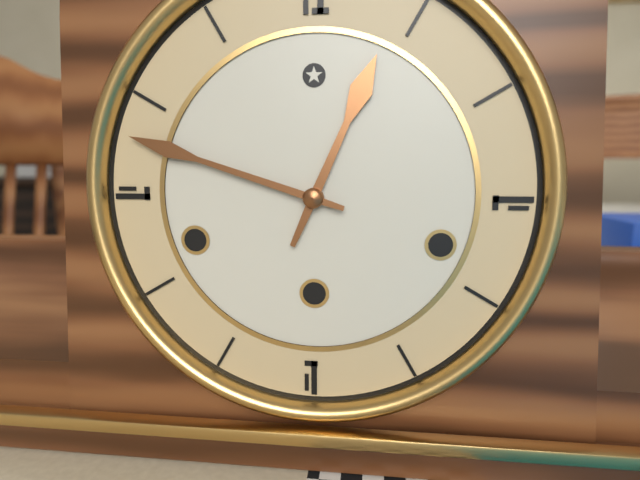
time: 12:48
